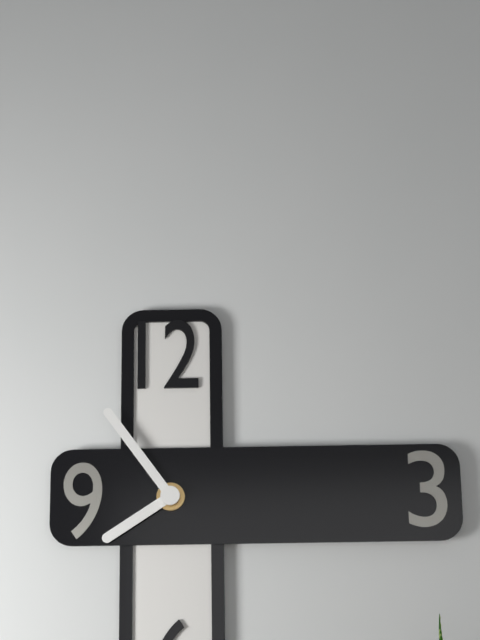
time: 7:54
